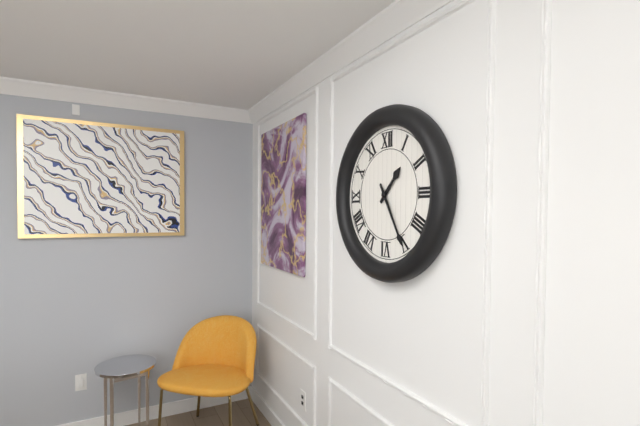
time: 1:25
